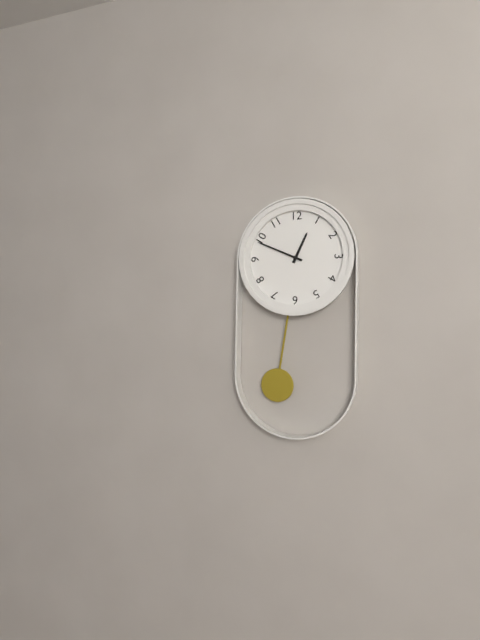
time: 12:49
